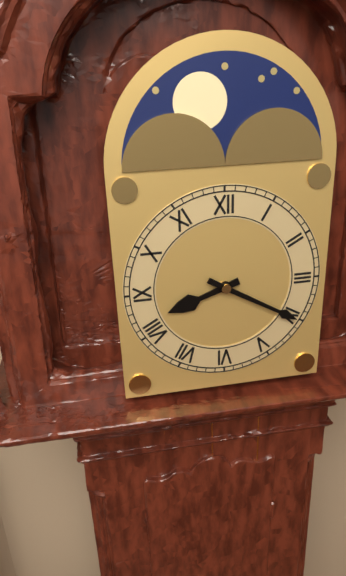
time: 8:20
